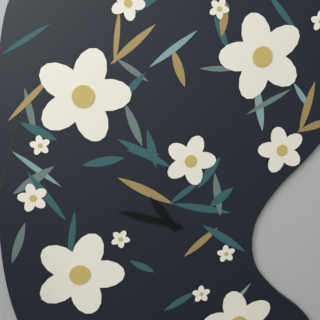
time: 10:48
